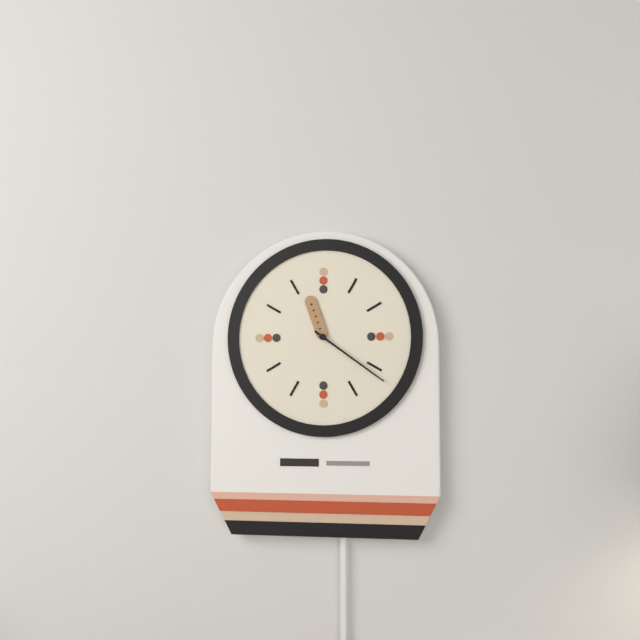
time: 11:21
